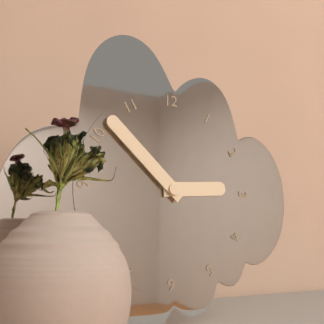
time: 2:52
